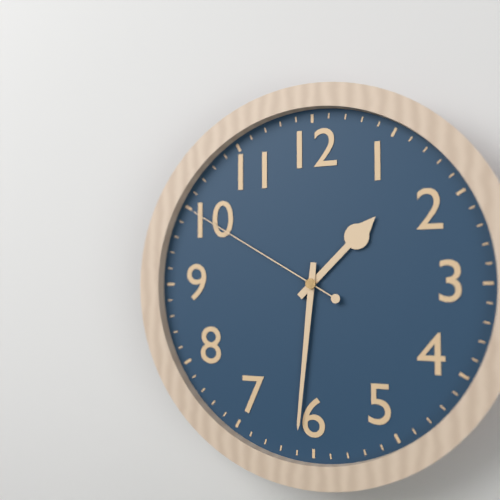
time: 1:31:50
